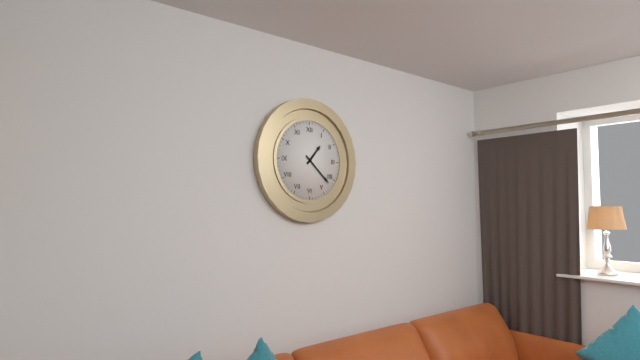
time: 1:22
